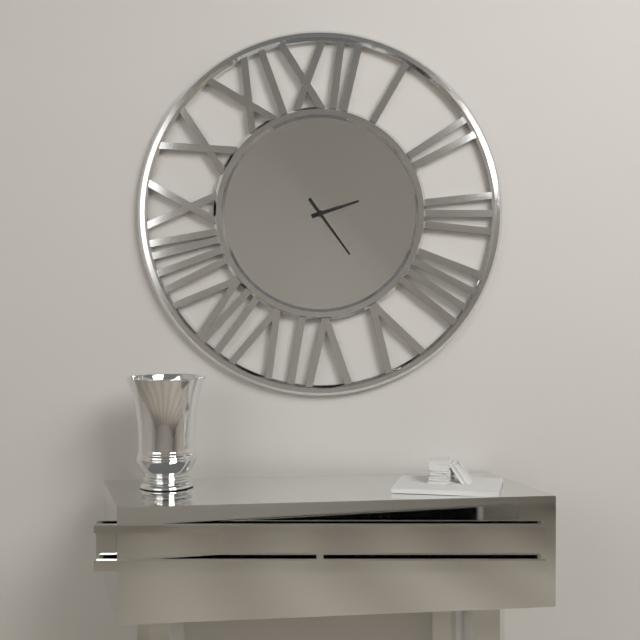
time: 2:24
